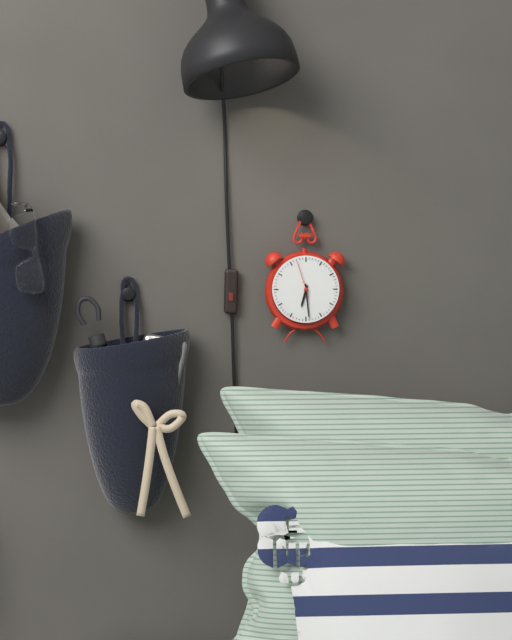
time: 6:29
